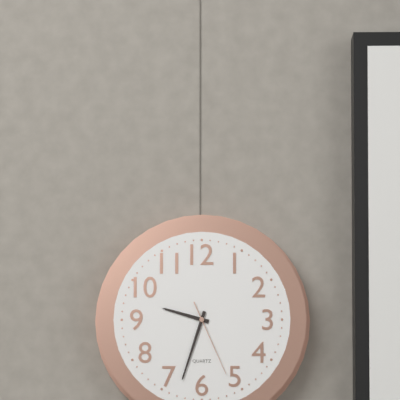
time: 9:33:26
